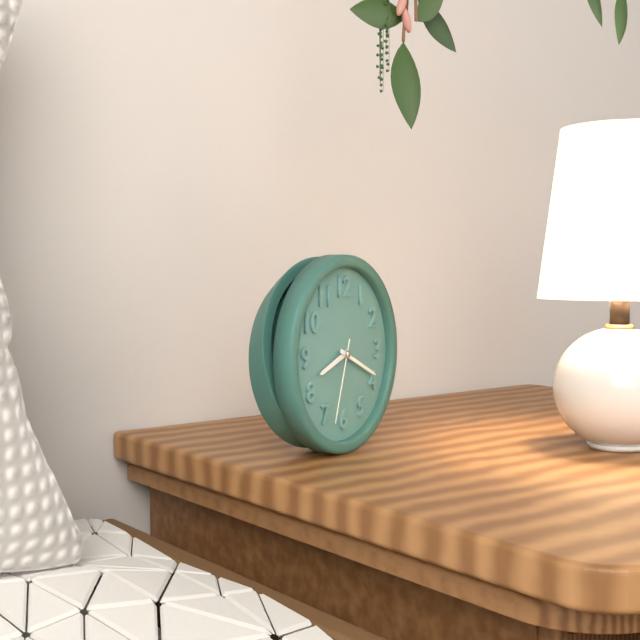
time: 8:19:33
